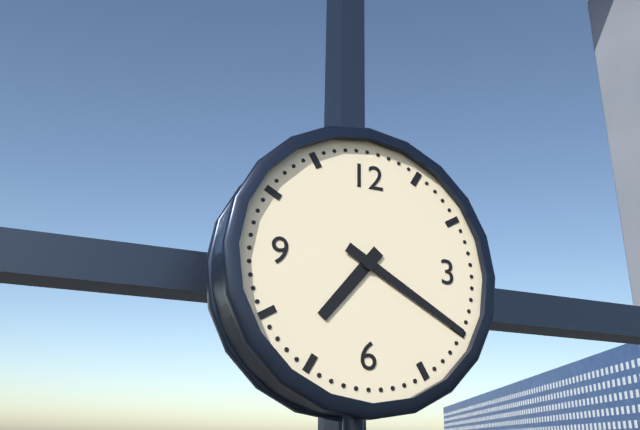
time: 7:20
